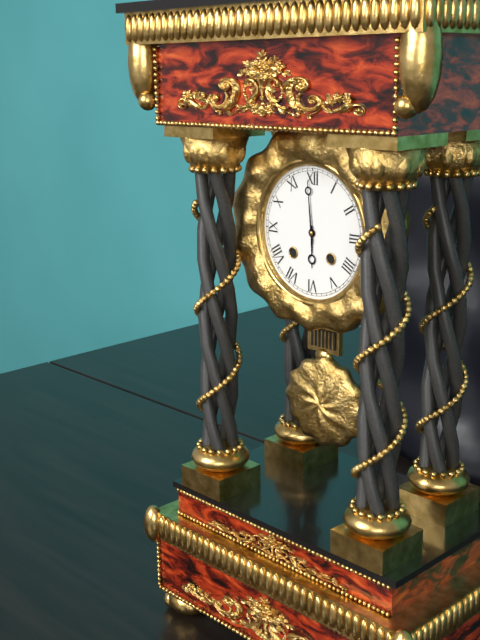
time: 5:59
